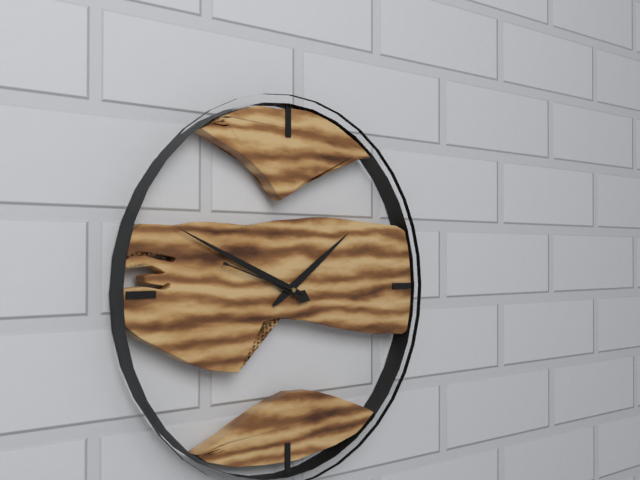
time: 1:49:48
